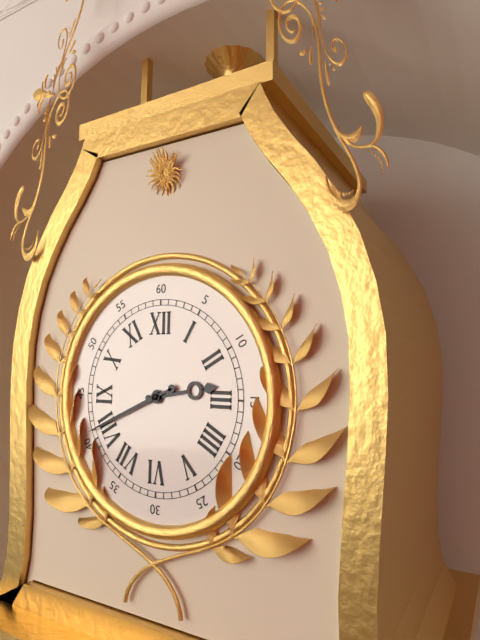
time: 2:41
